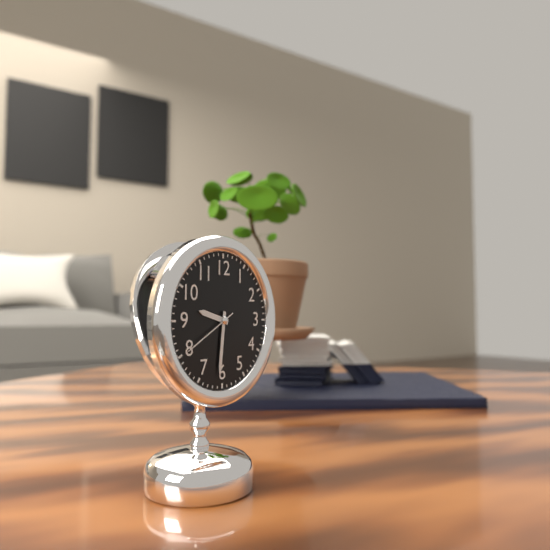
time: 9:31:40
